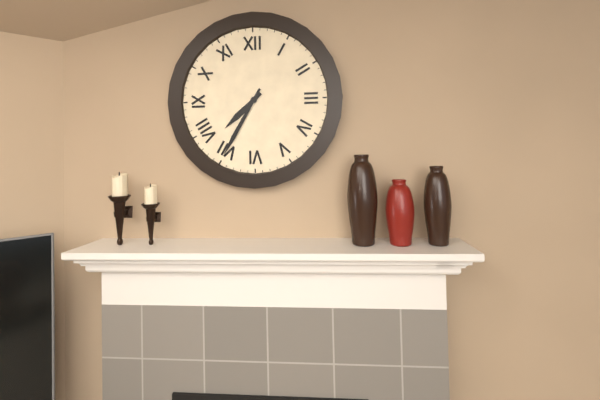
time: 7:35
